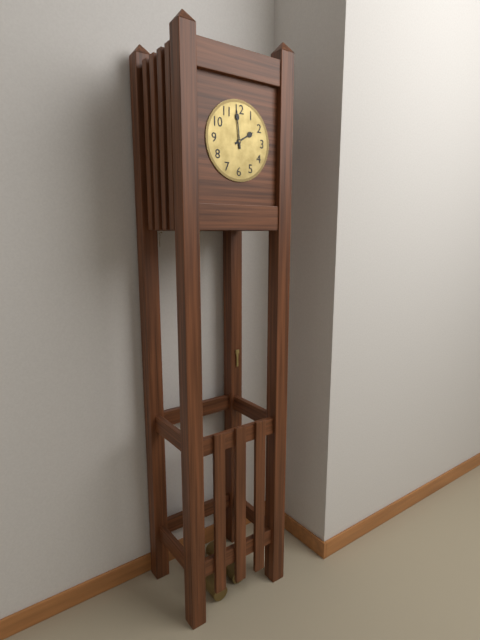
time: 1:59
